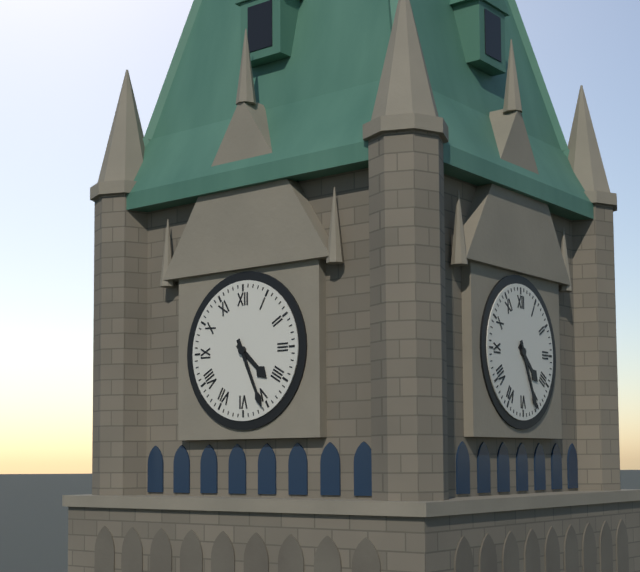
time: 4:26
